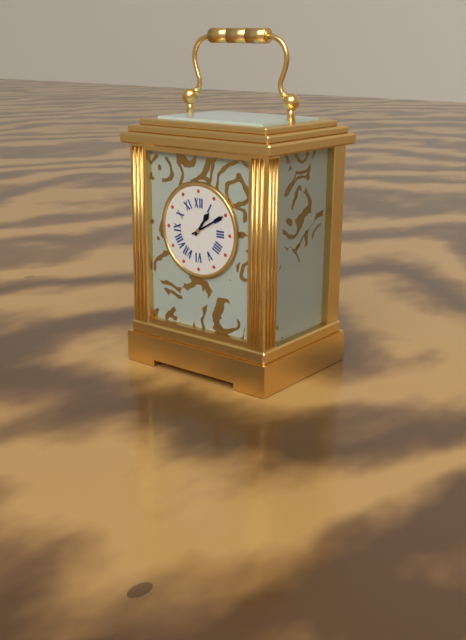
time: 1:10
